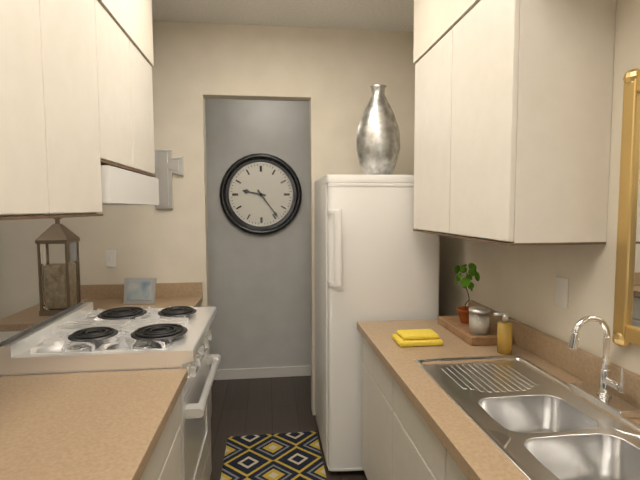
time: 9:24
